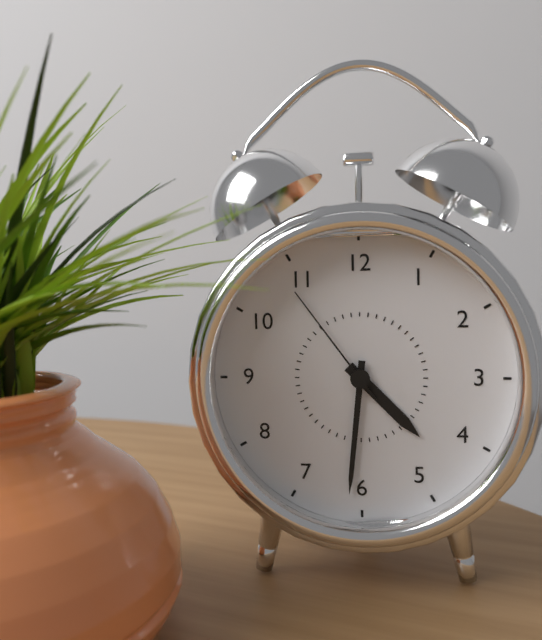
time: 4:31:54
